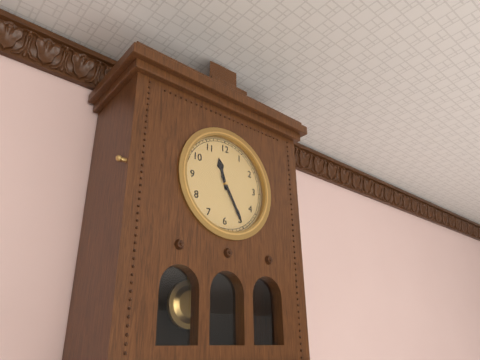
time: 11:25
